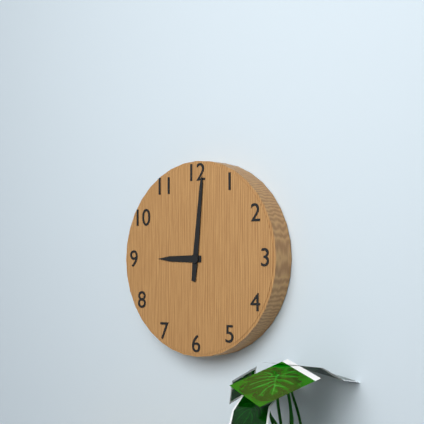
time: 9:01
